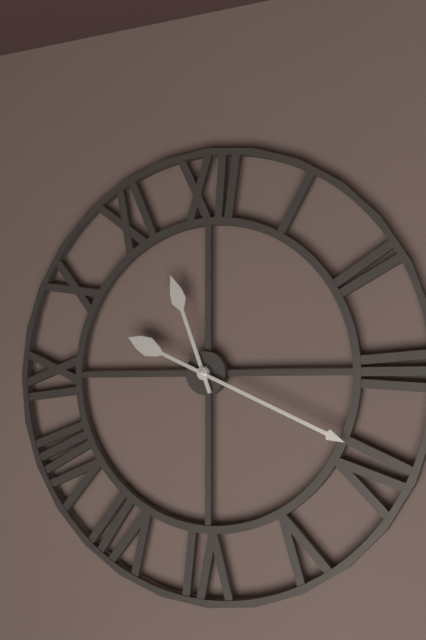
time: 11:19
